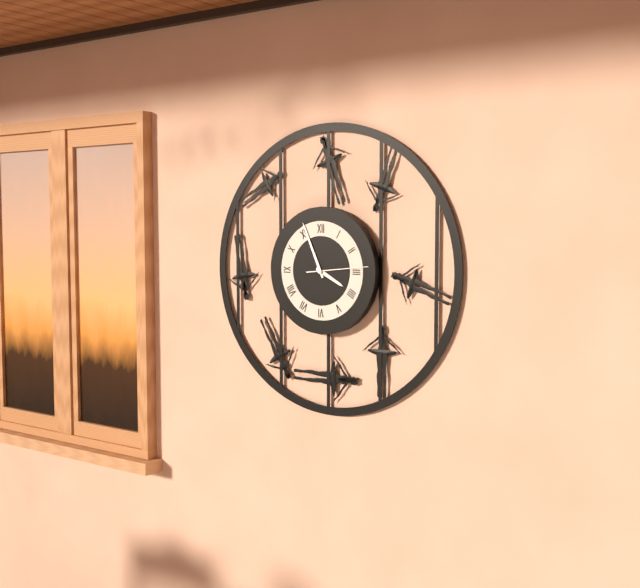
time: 3:56:14
